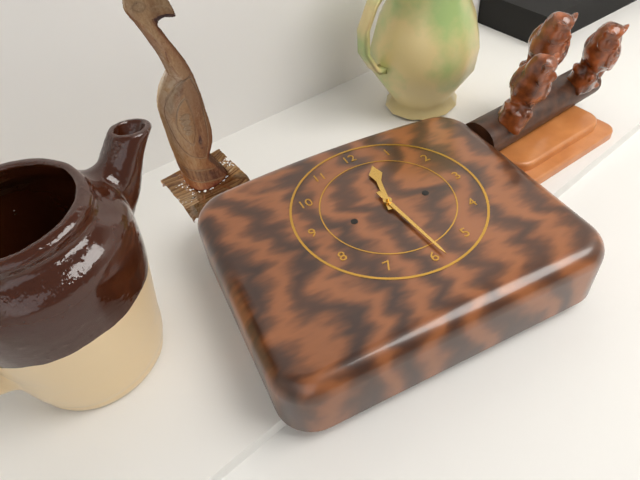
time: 12:29
